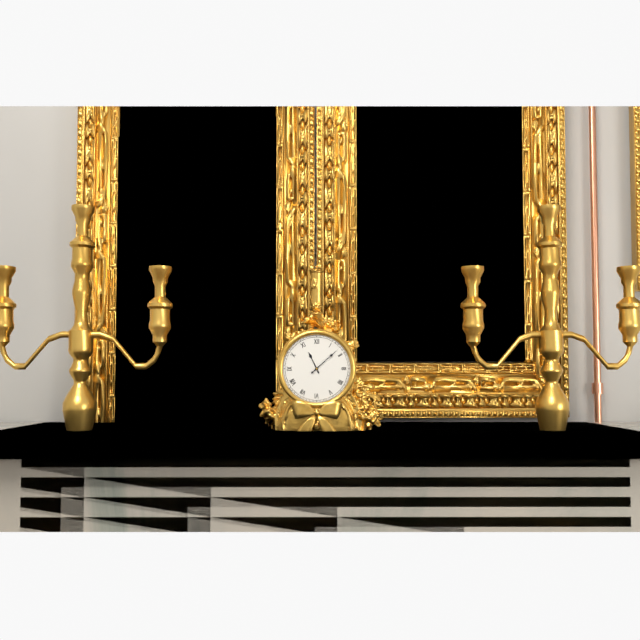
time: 11:08
